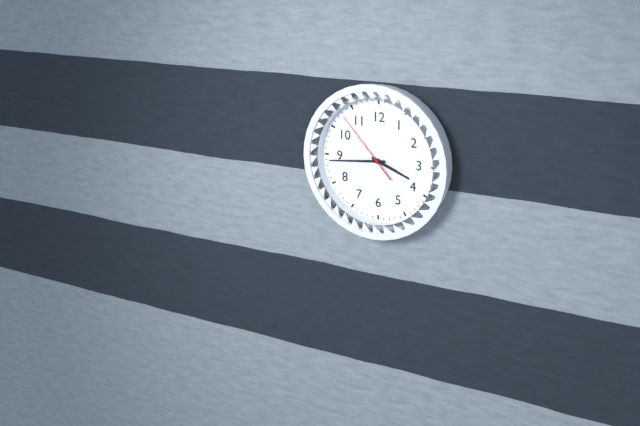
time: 3:44:53
